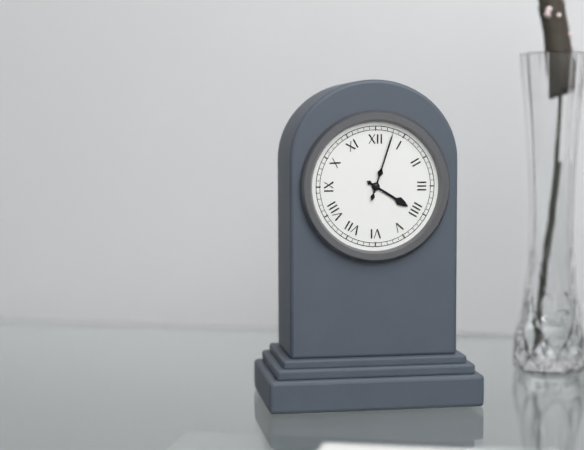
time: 4:03
